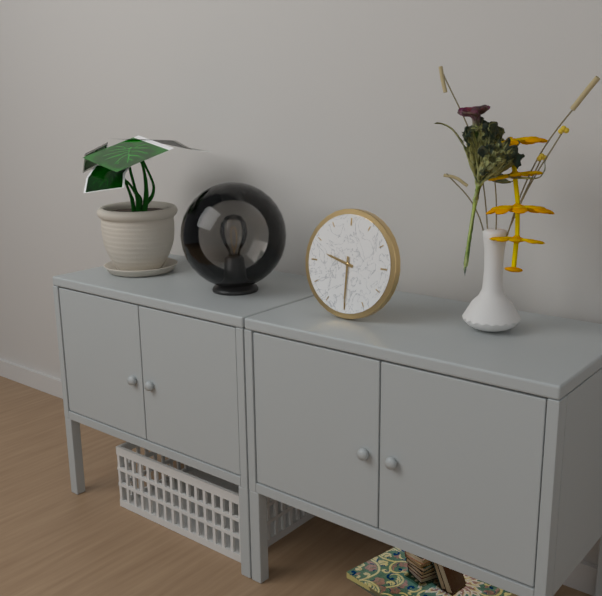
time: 9:30
